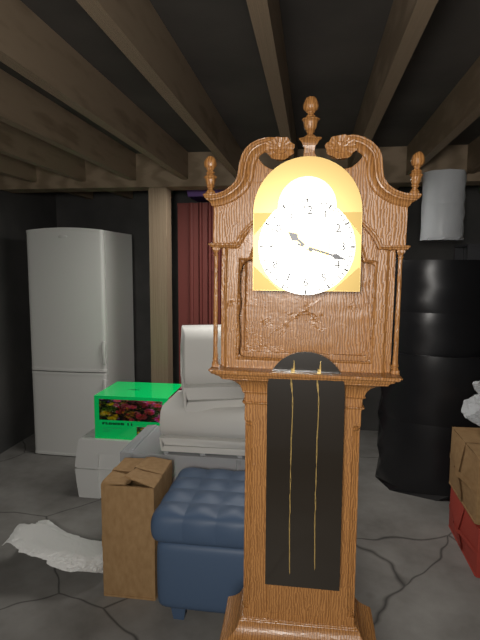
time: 10:18
